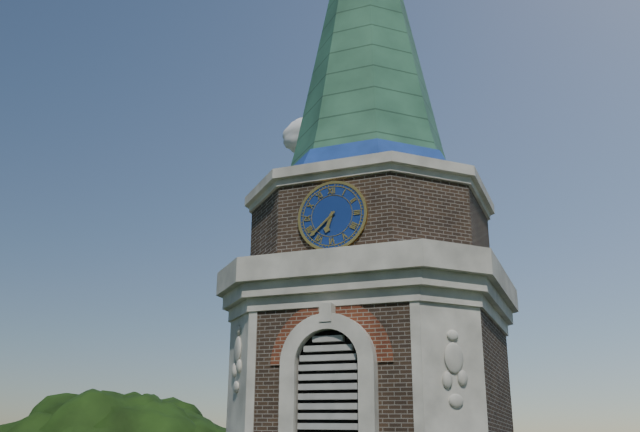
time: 6:38
